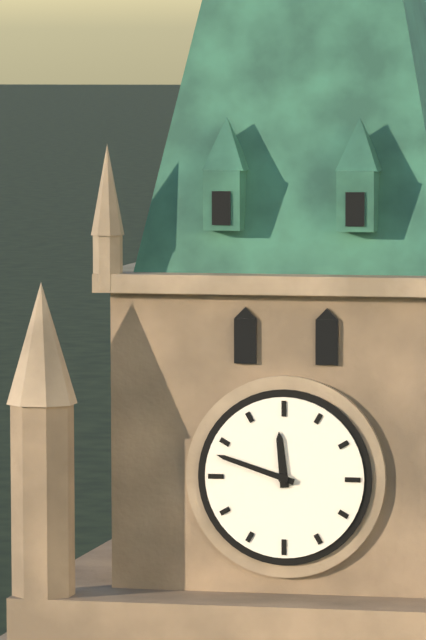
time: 11:48
